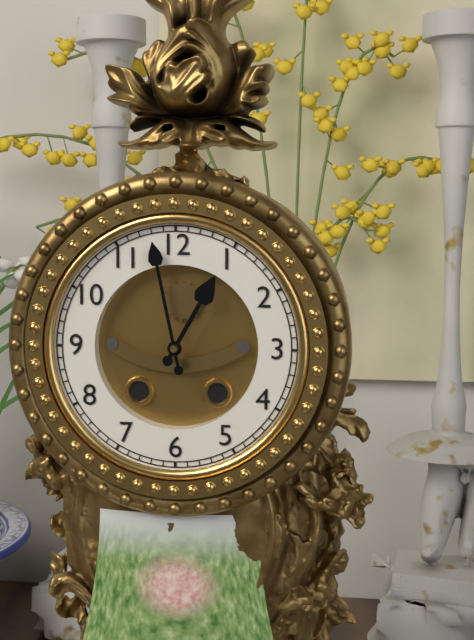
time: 12:58
